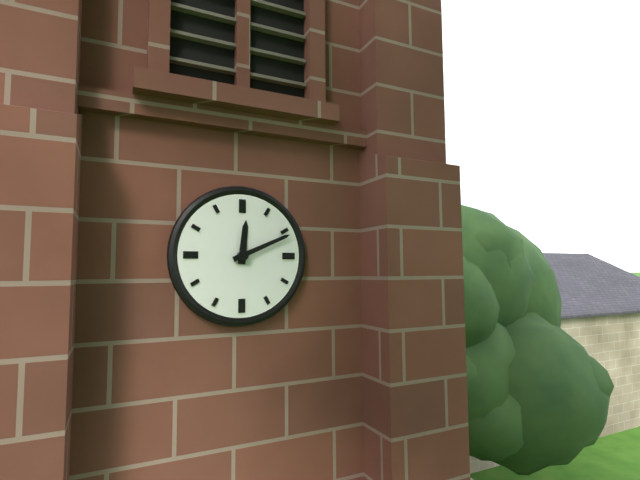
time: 12:11
